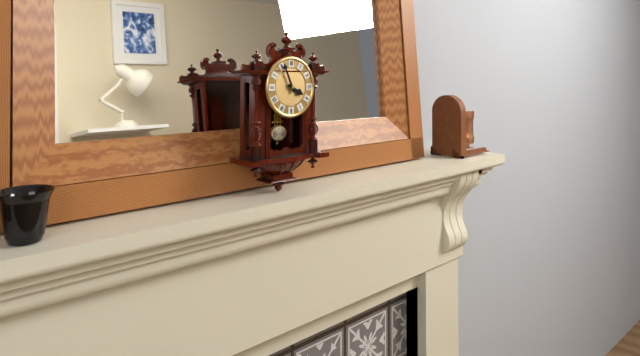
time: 3:56
